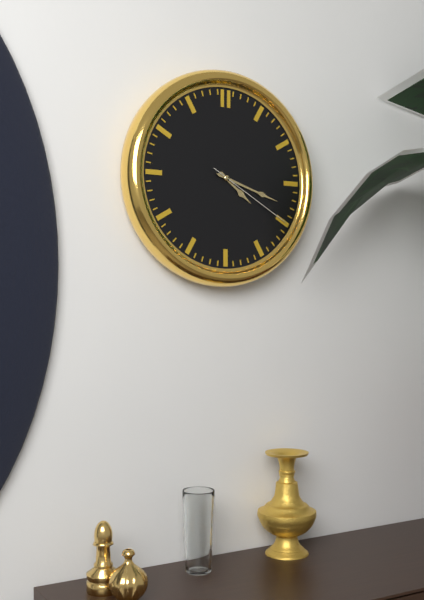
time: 4:18:20
